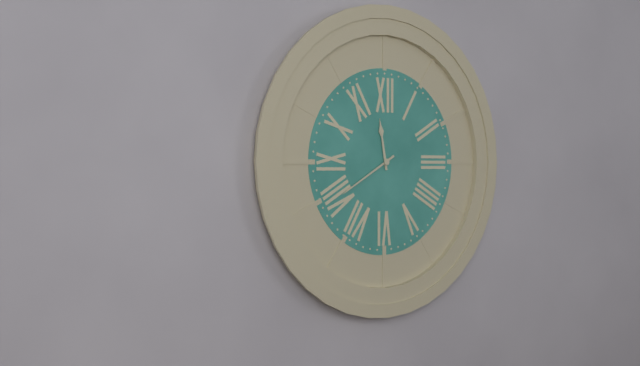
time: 11:40
